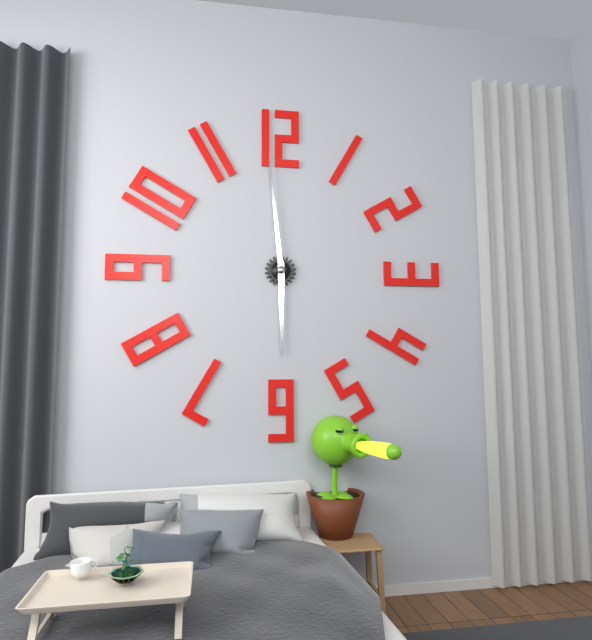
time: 5:59
